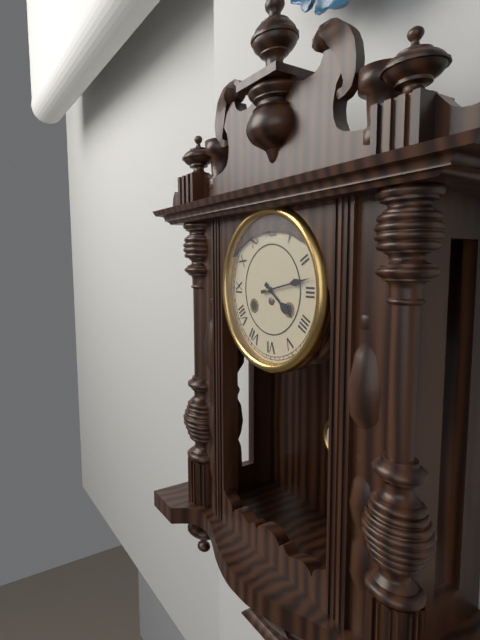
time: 4:13
